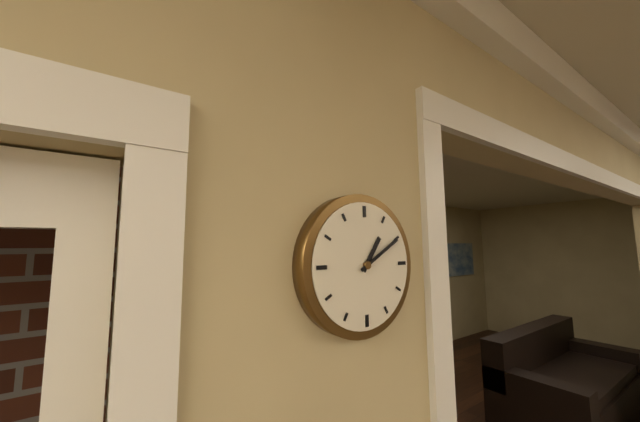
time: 1:10
